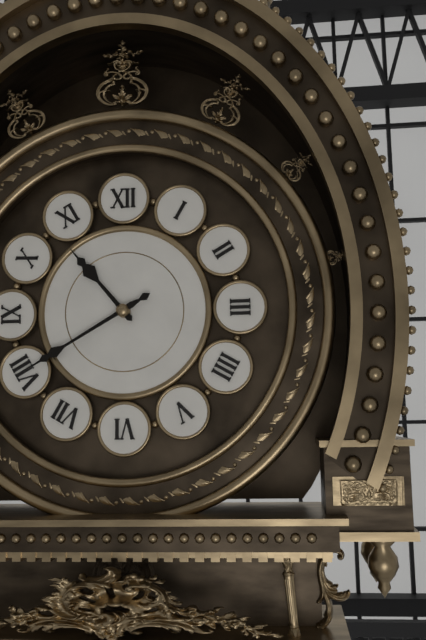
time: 10:40
